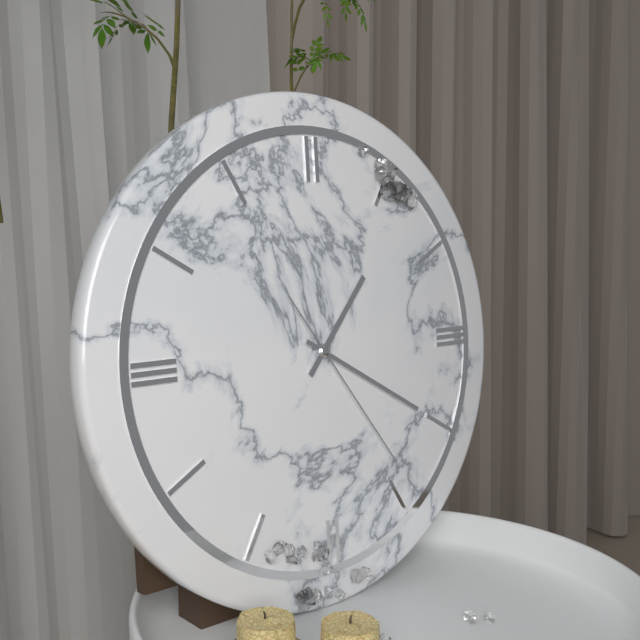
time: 1:20:24
